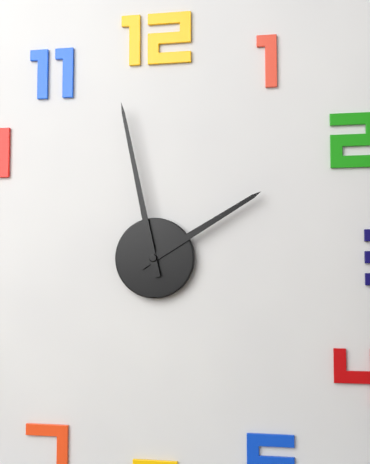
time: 1:58
